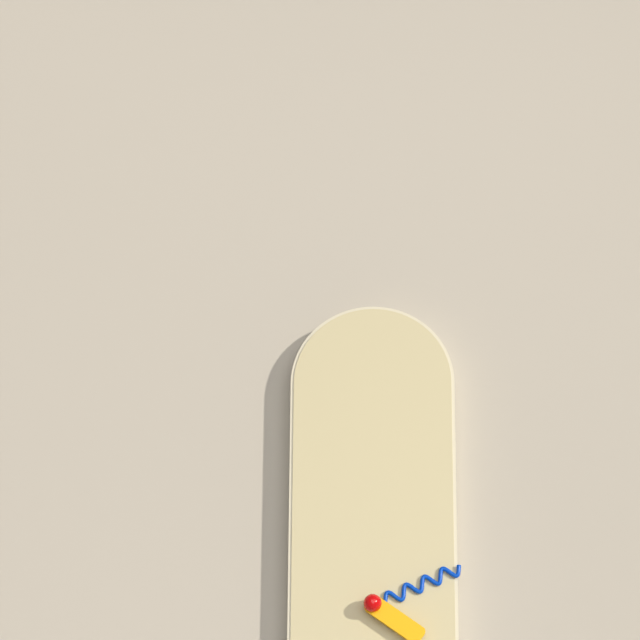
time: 4:11
